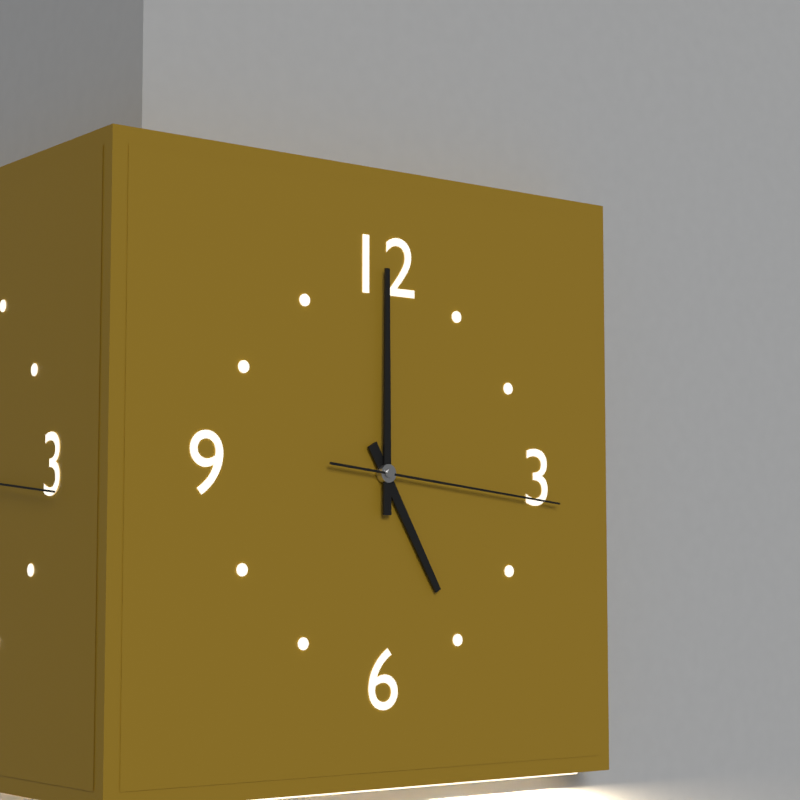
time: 5:00:16
